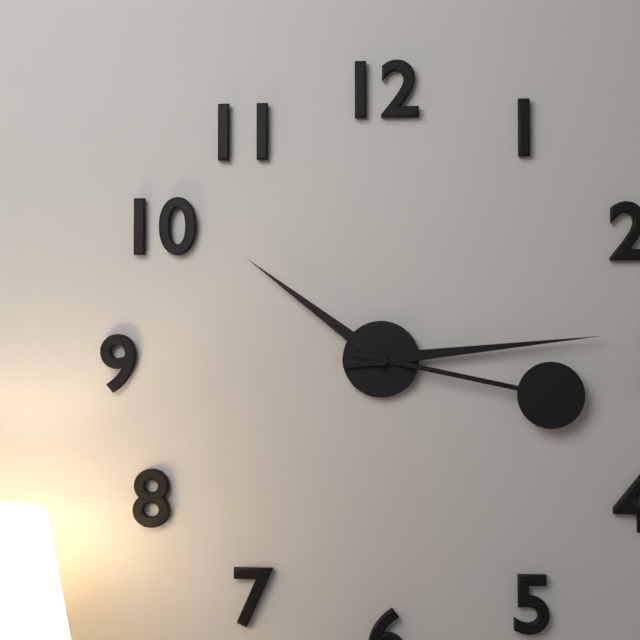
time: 10:14:17
